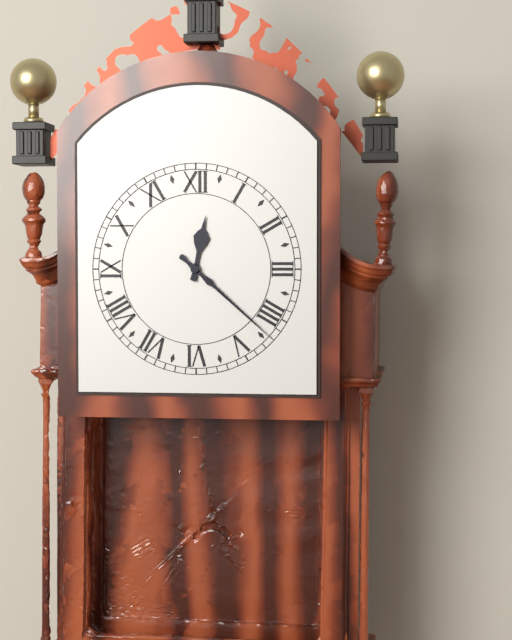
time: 12:22
